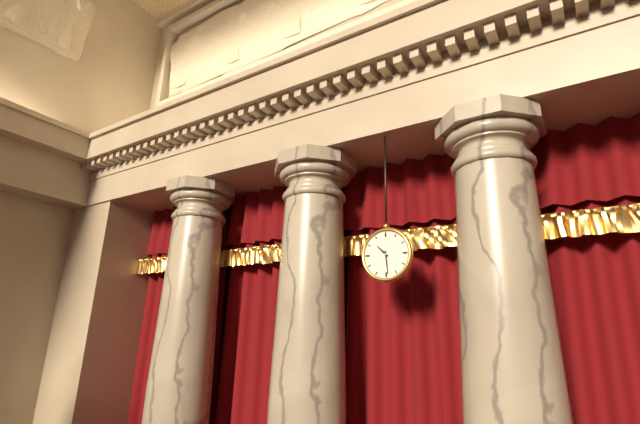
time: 10:29
